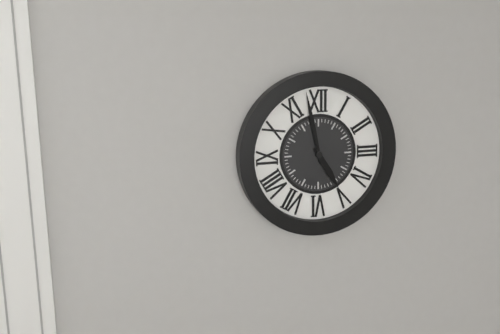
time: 4:58
